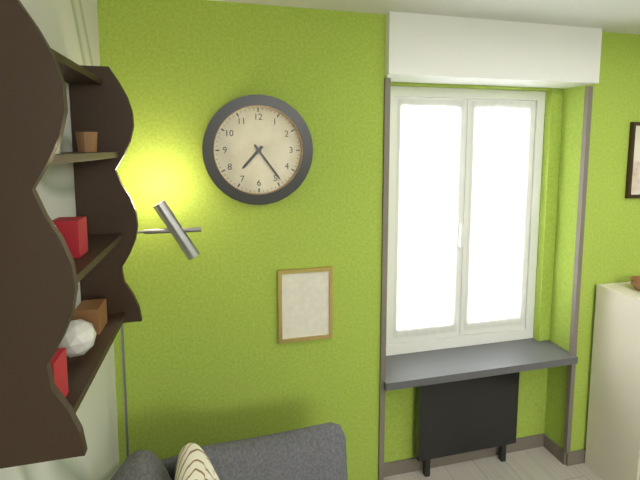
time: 7:24
